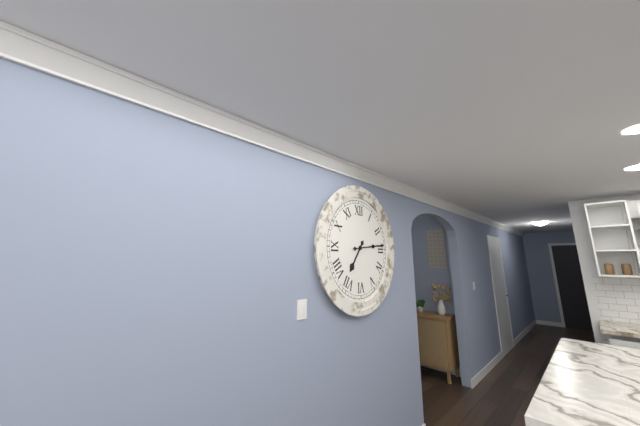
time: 7:14
